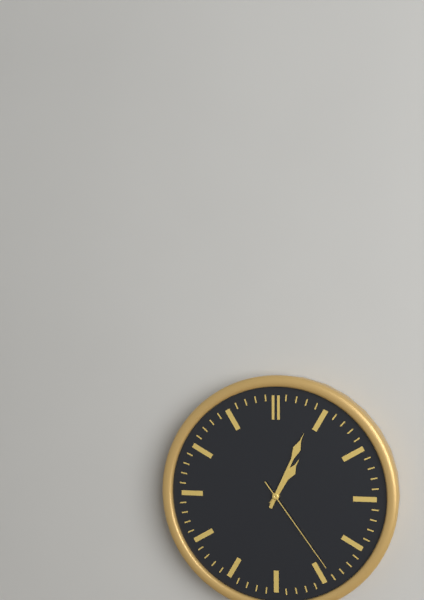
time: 1:04:24
